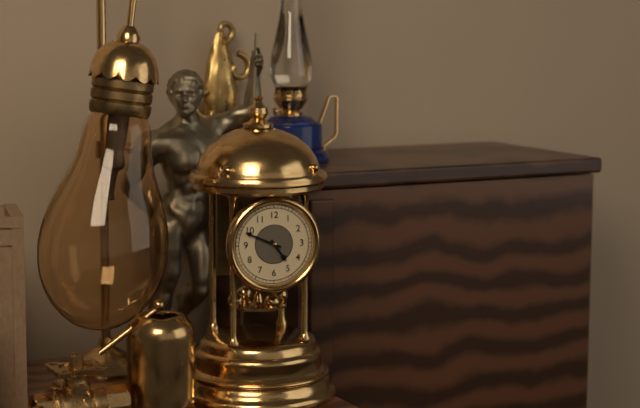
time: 4:49
